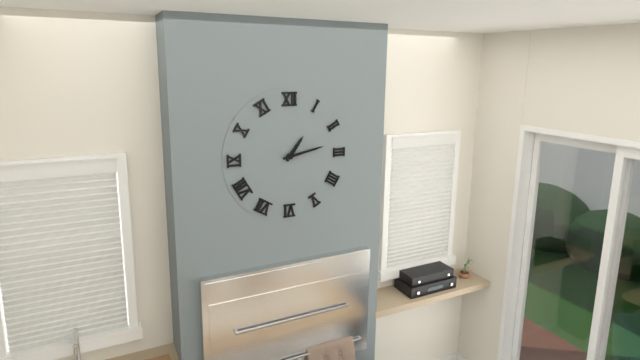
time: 1:13
